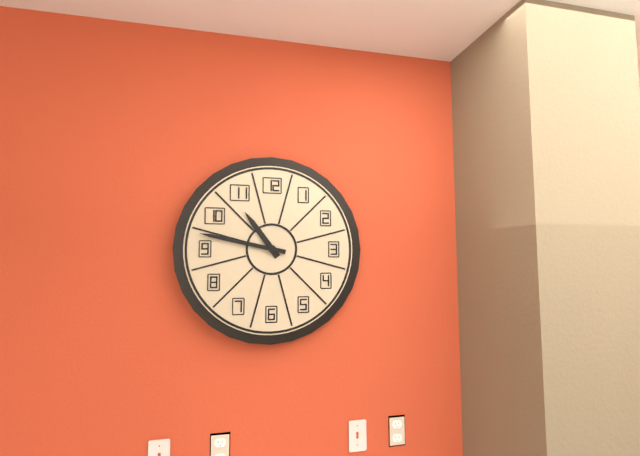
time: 10:47
